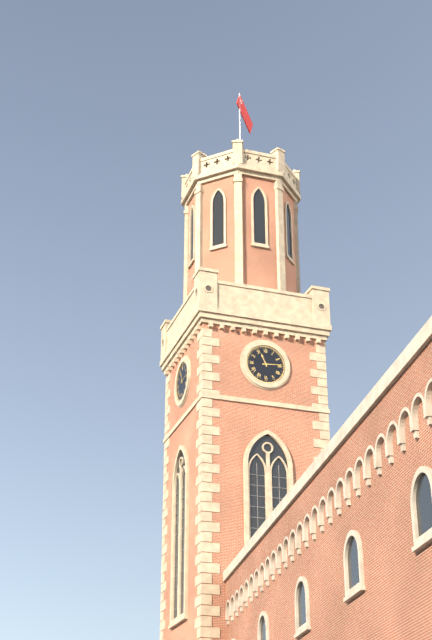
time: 11:14
